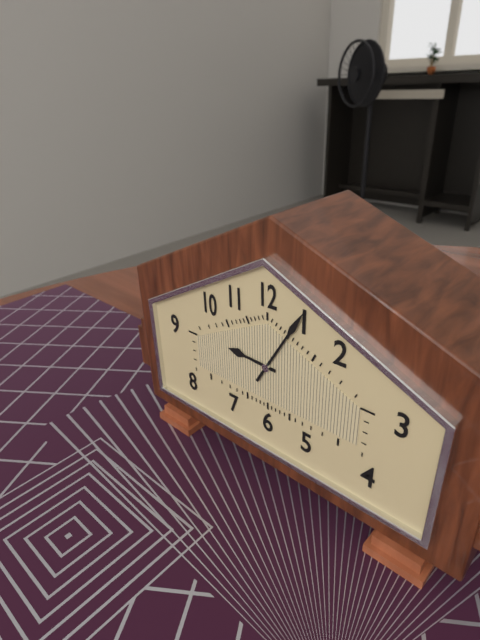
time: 9:05
